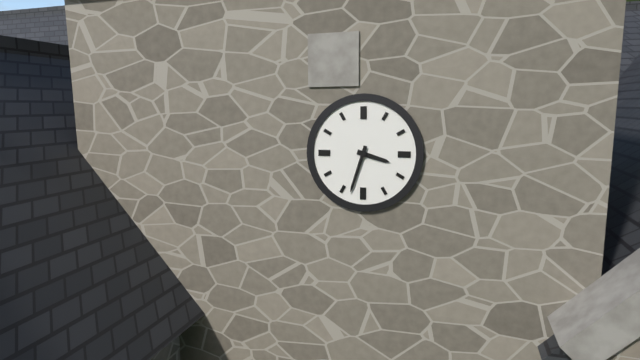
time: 3:33
